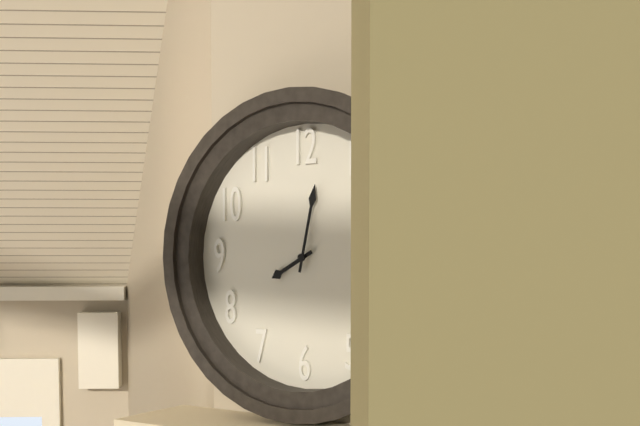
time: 8:02
